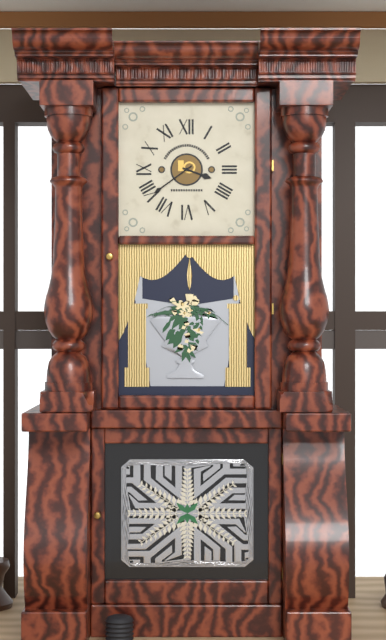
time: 3:39
